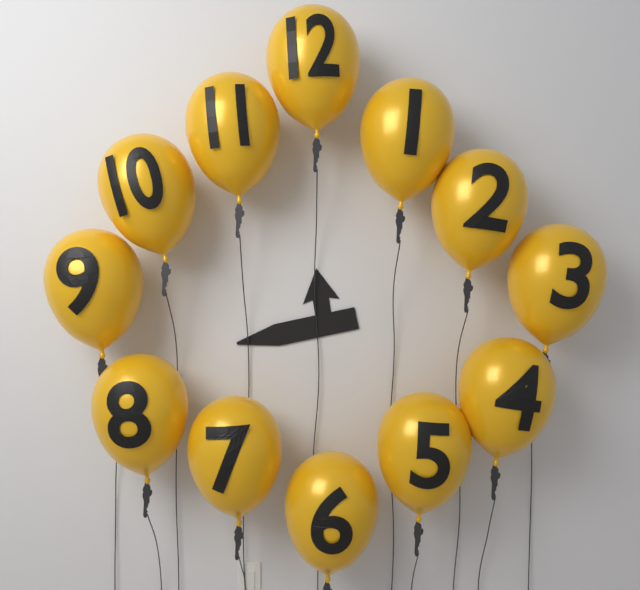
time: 11:43
